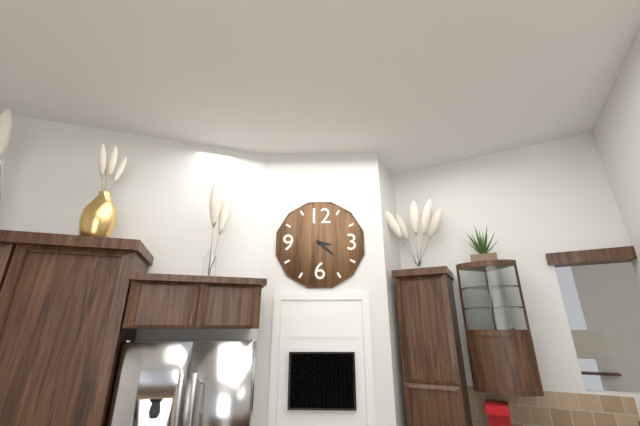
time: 3:22
